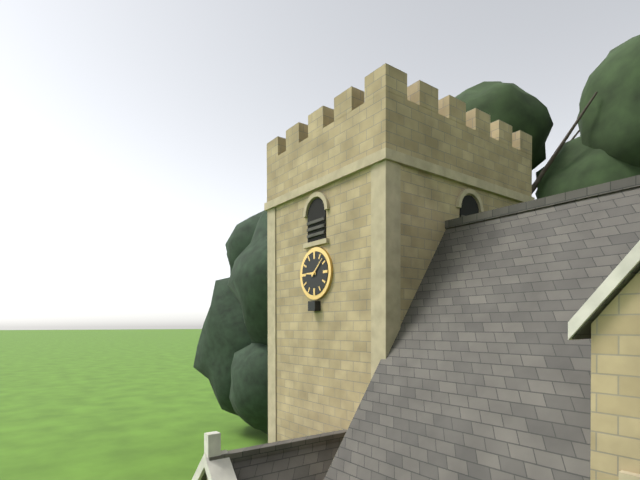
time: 9:08
